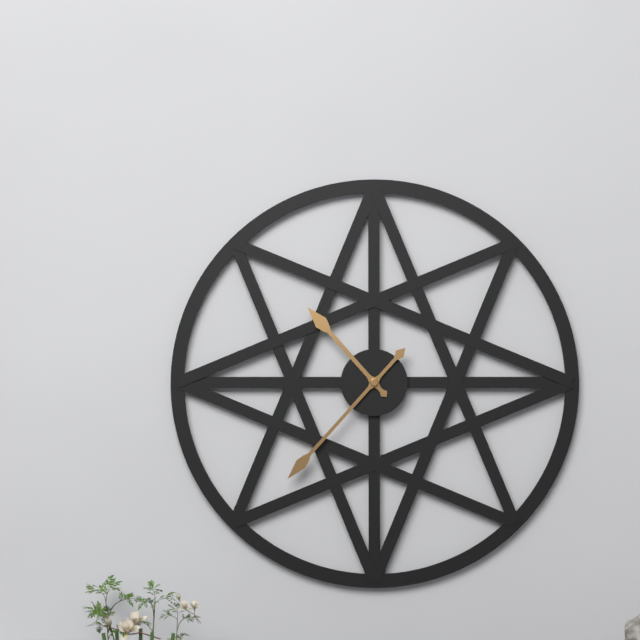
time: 10:37
